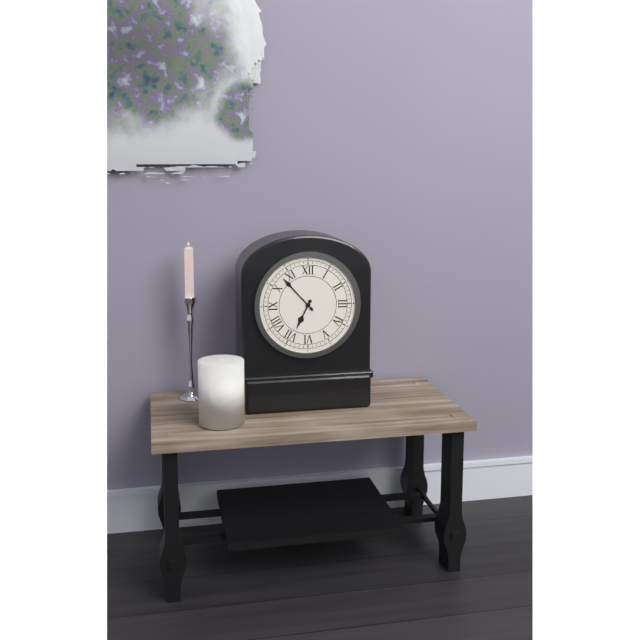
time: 6:53
